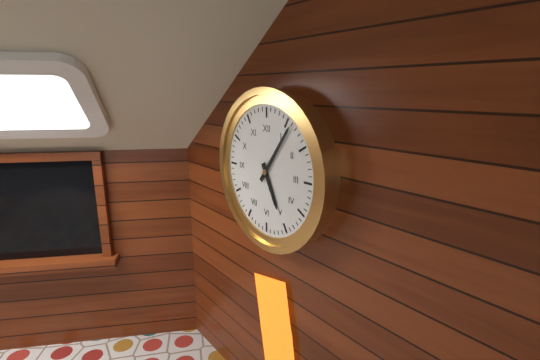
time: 5:06
